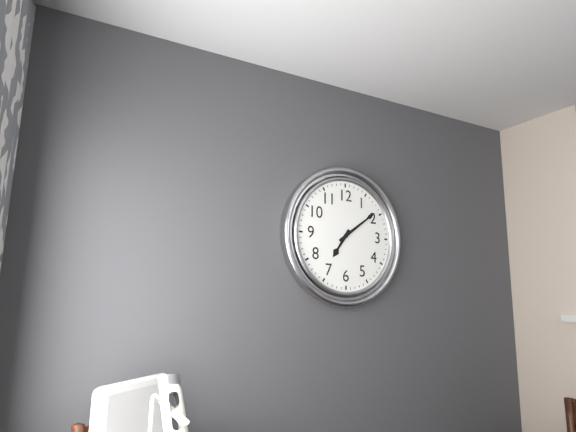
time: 7:09
